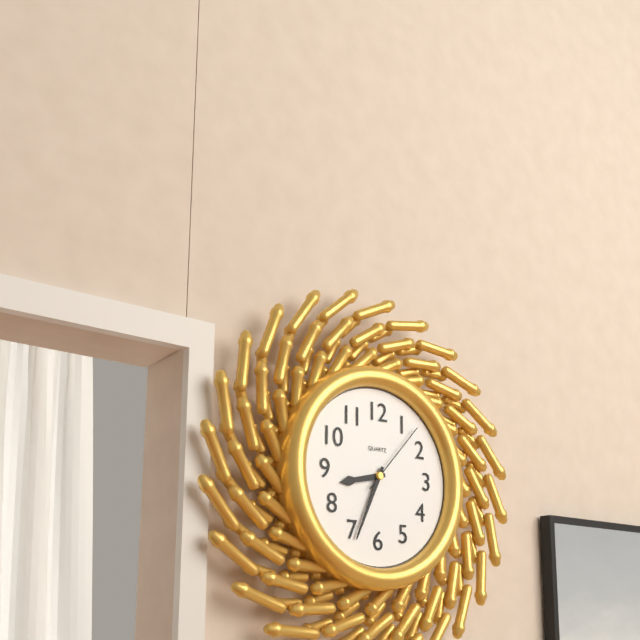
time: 8:34:07
